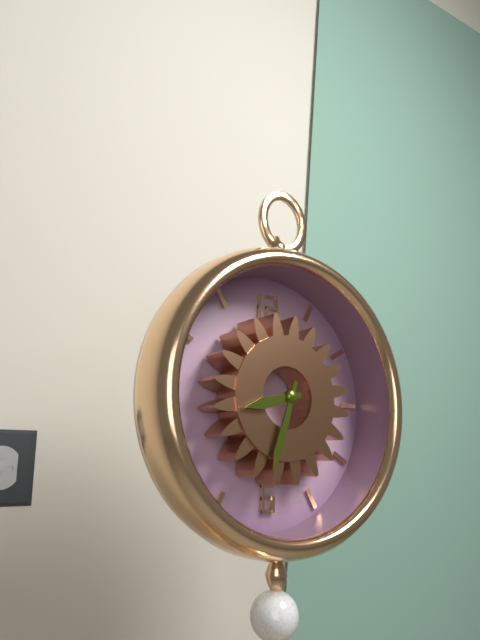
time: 8:33
